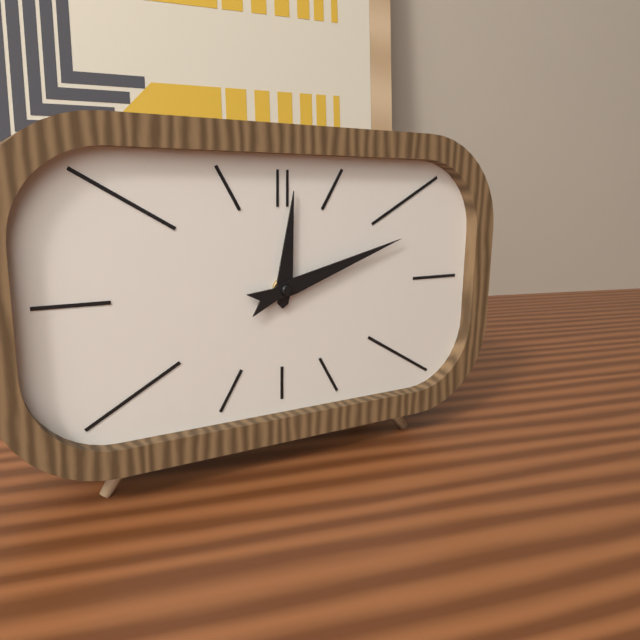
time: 12:12
